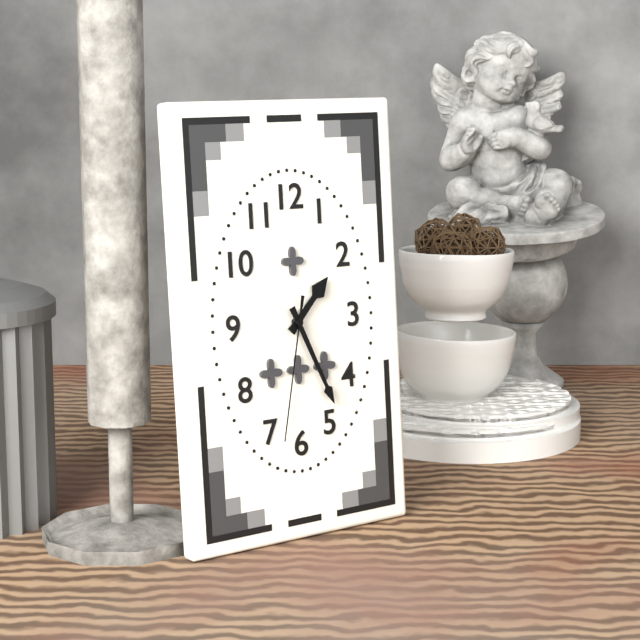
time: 1:26:32
